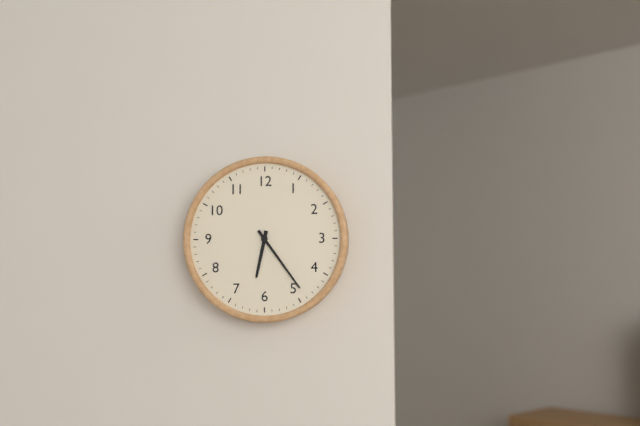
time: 6:24
